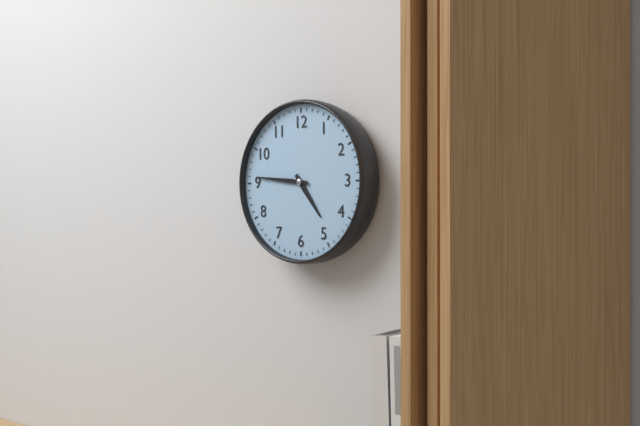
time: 4:46
